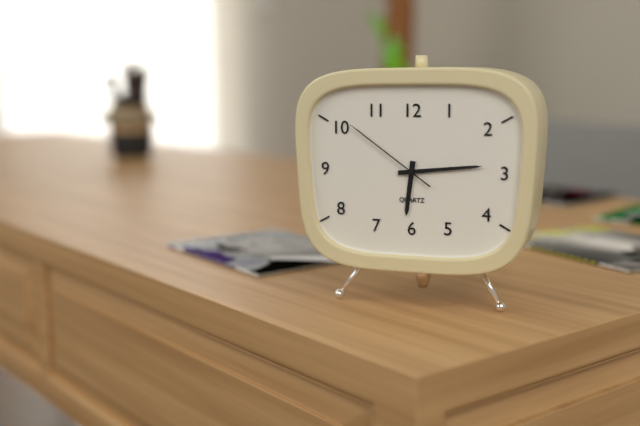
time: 6:14:51
